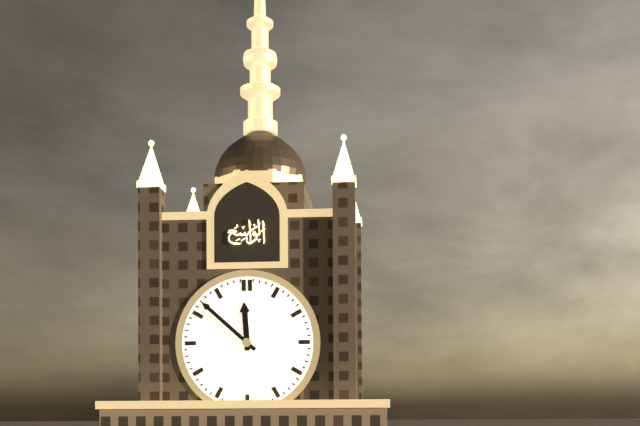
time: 11:52
